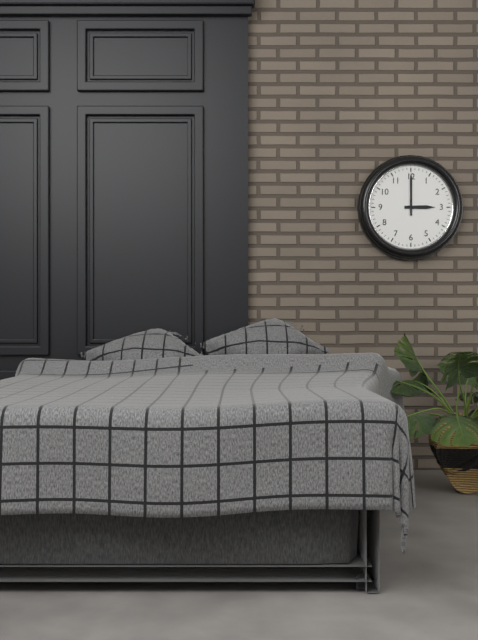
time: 3:00
